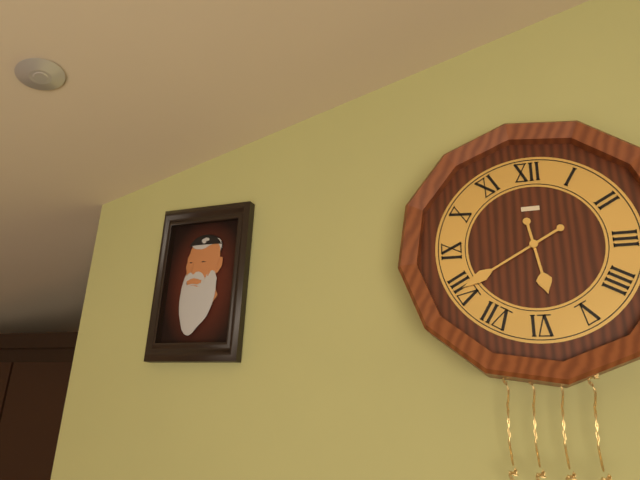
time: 5:40
